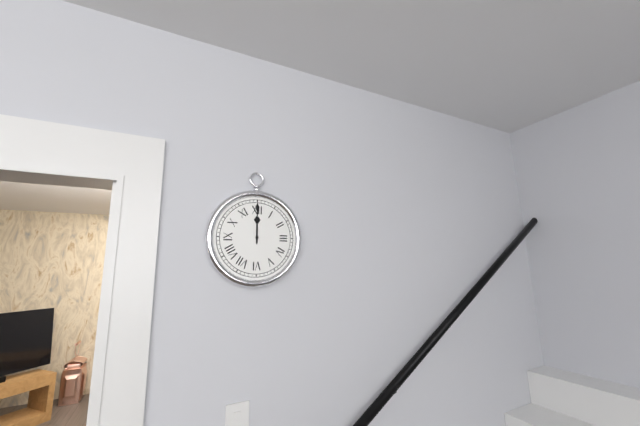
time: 12:00
